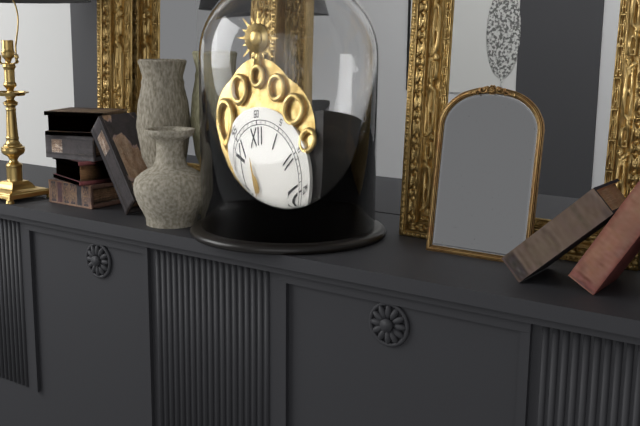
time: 11:29
